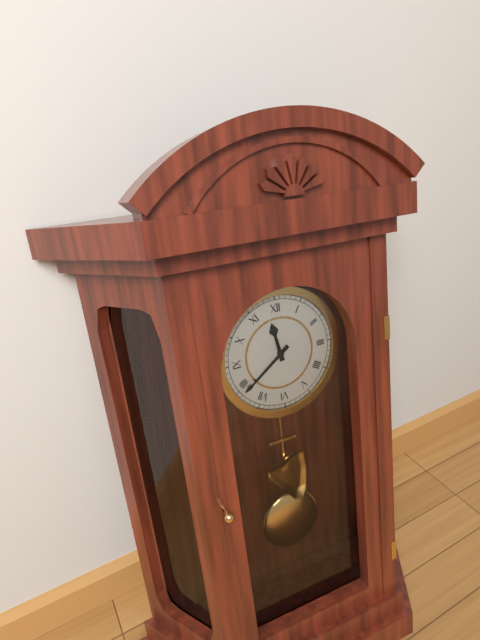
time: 11:39
